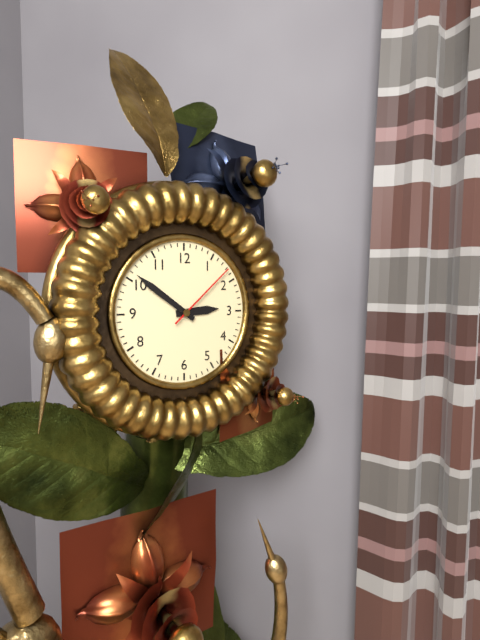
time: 2:51:08
